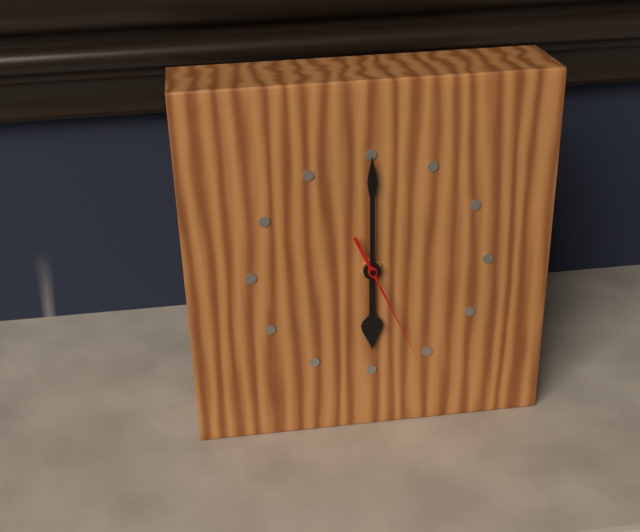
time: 6:00:26
